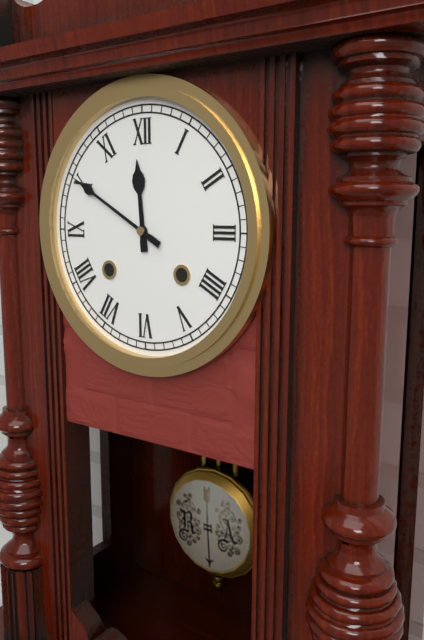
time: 11:50
